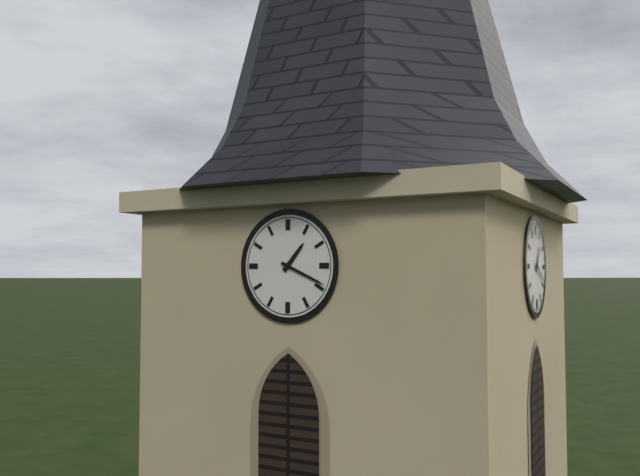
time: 1:19
